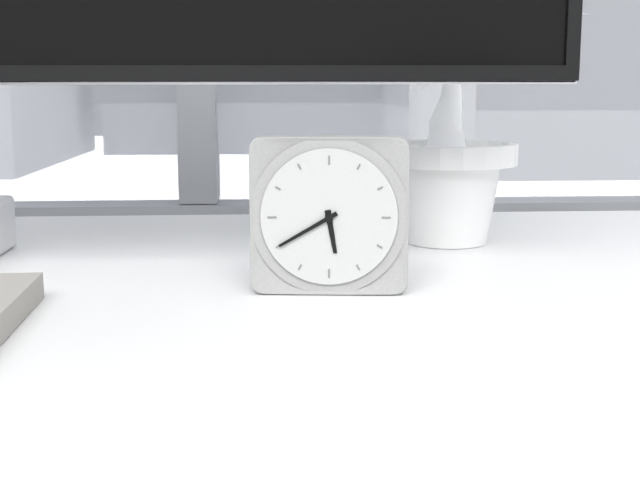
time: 5:40
